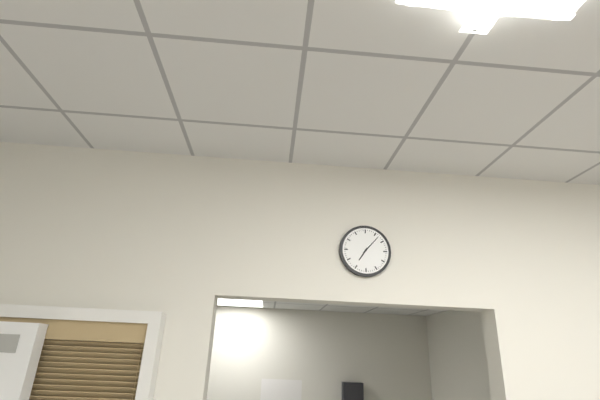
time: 7:07
